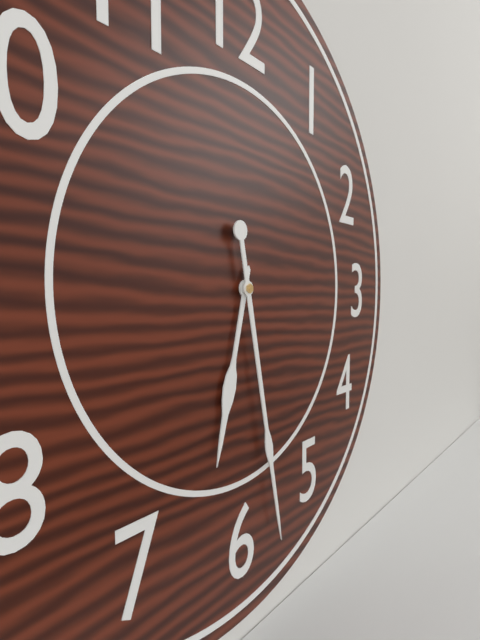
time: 6:28
